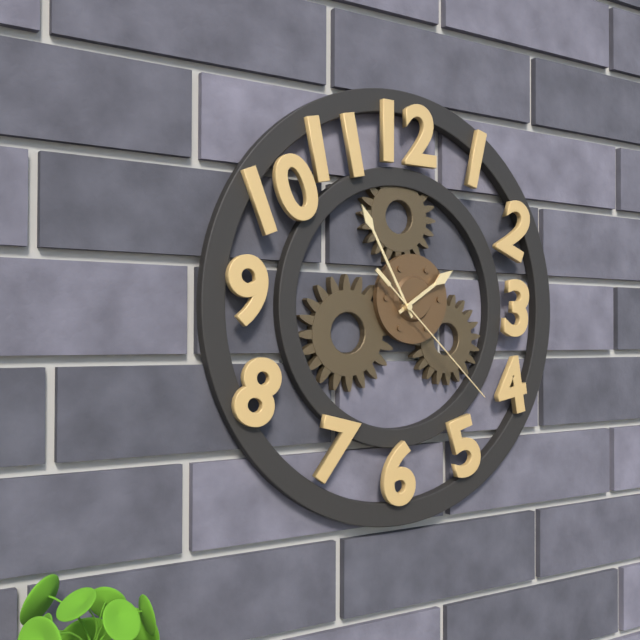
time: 1:55:22
